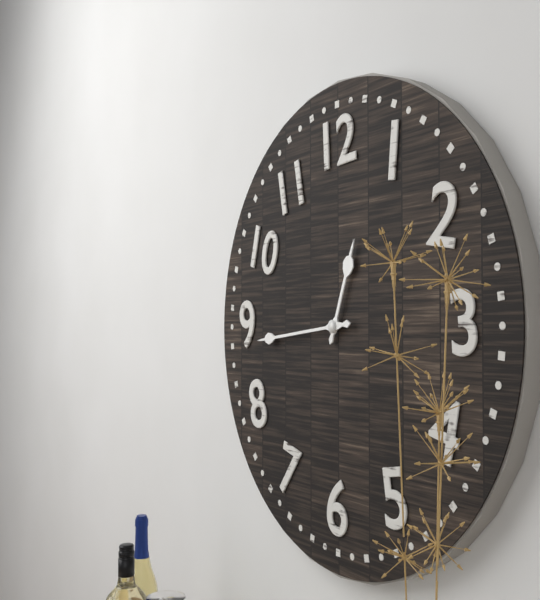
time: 12:44
